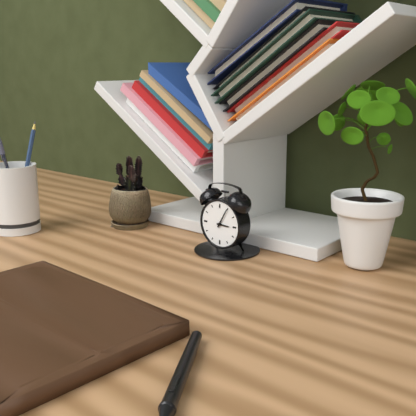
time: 3:05
